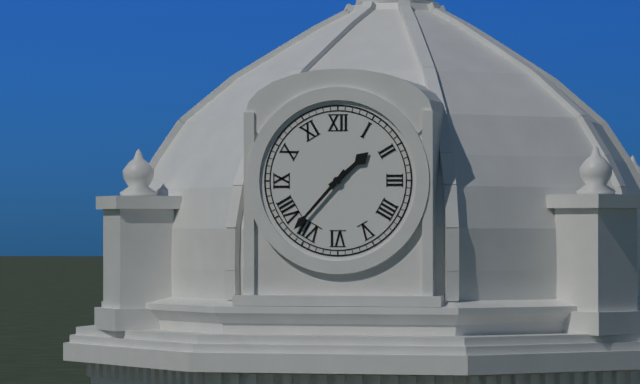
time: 1:37
